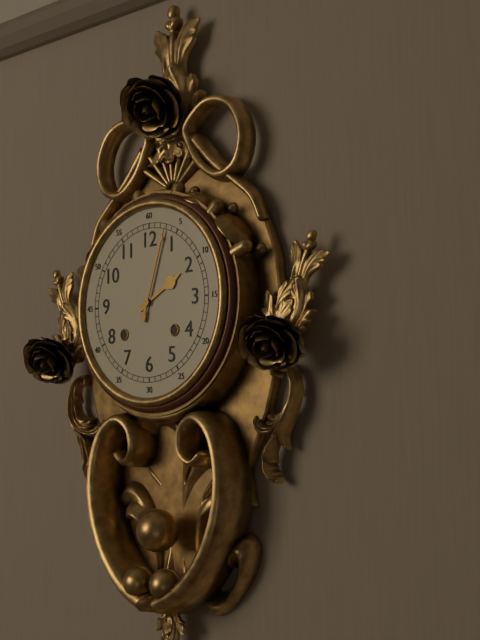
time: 2:03
